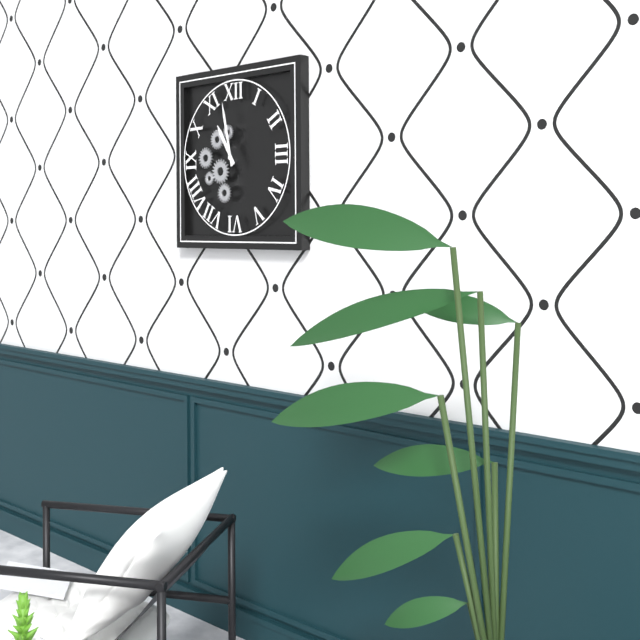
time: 10:58
